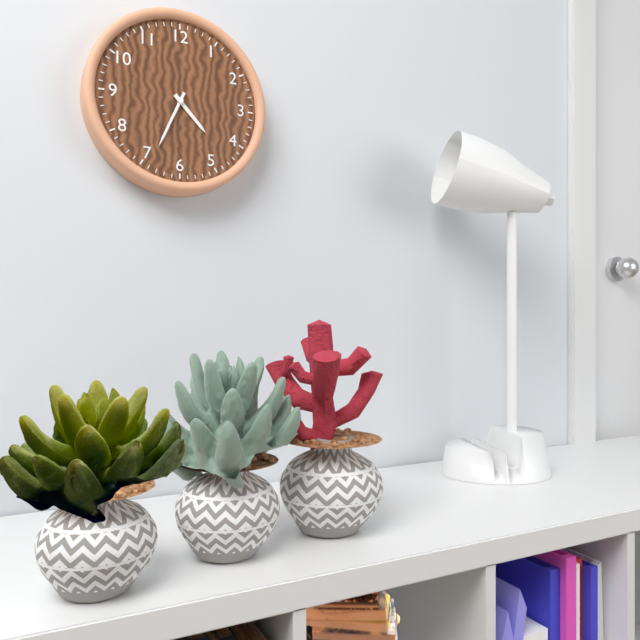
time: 4:34
